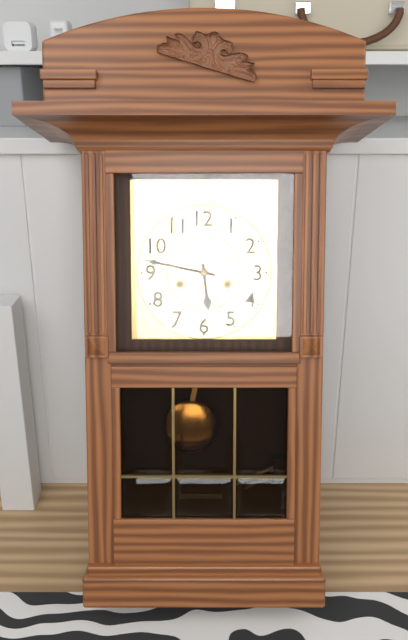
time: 5:47
